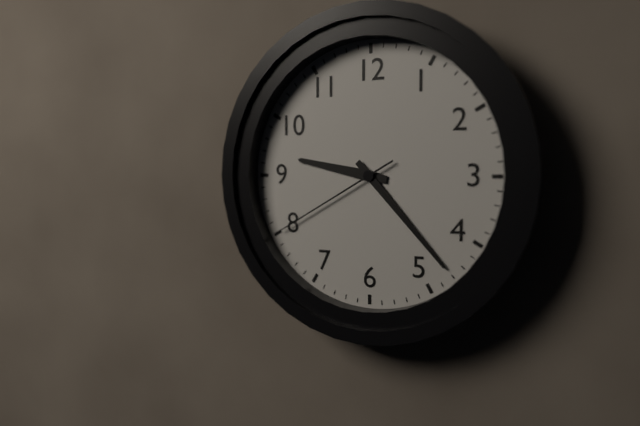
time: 9:23:40
